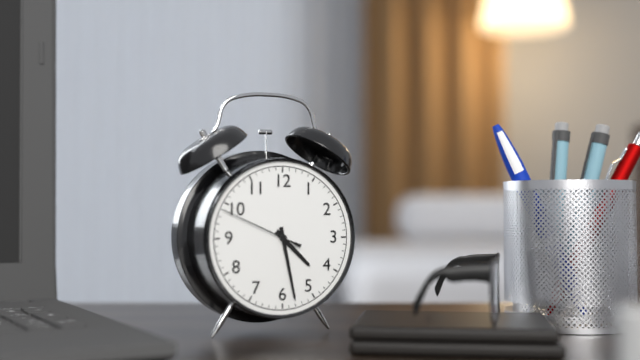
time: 4:28:49
